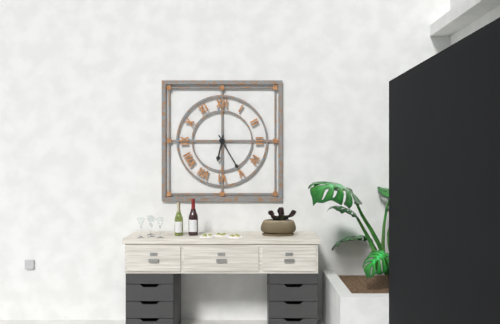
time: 6:25
